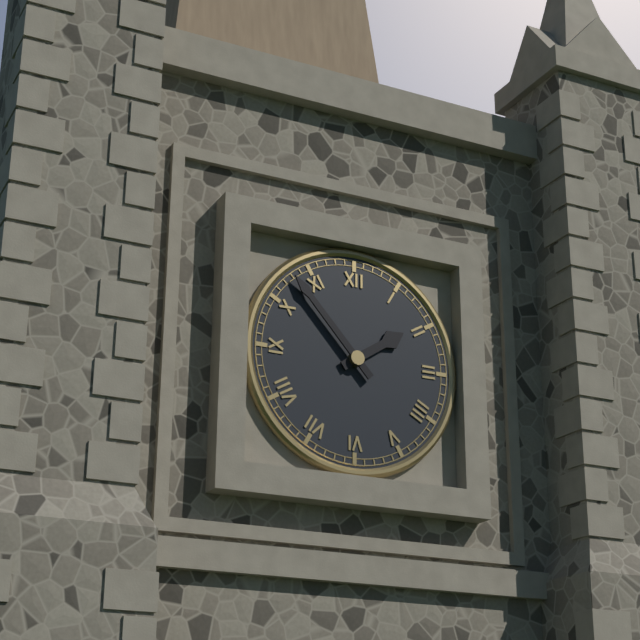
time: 1:53
